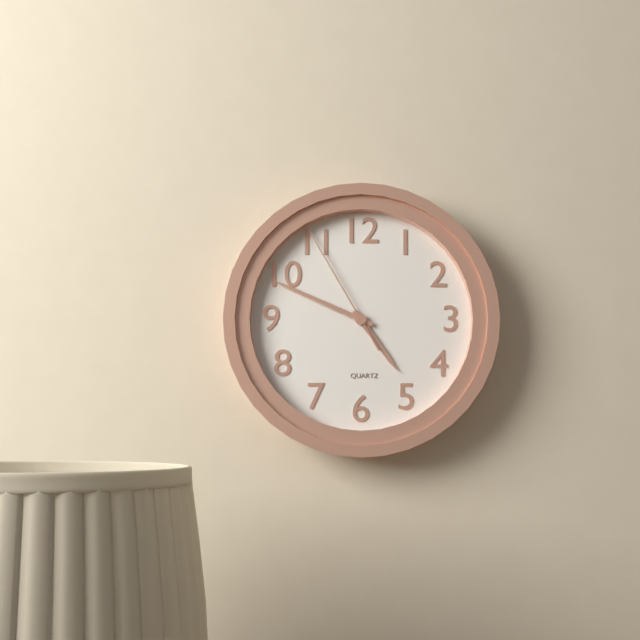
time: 4:49:55
